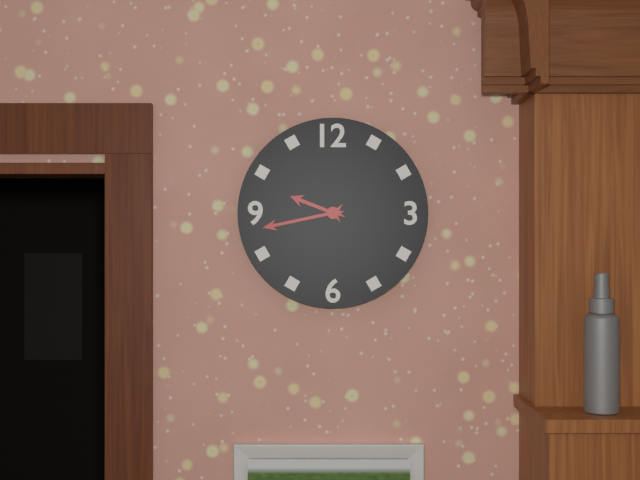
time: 9:43
